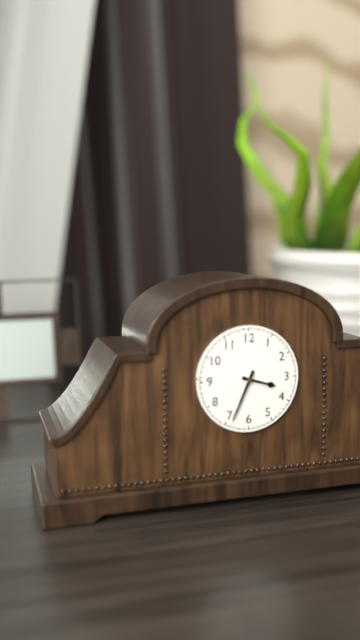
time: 3:34
